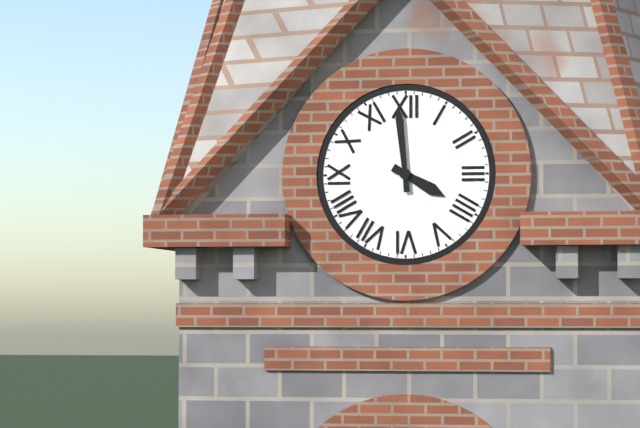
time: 3:59
